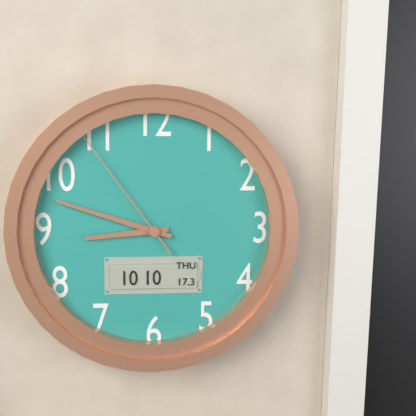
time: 8:48:54
